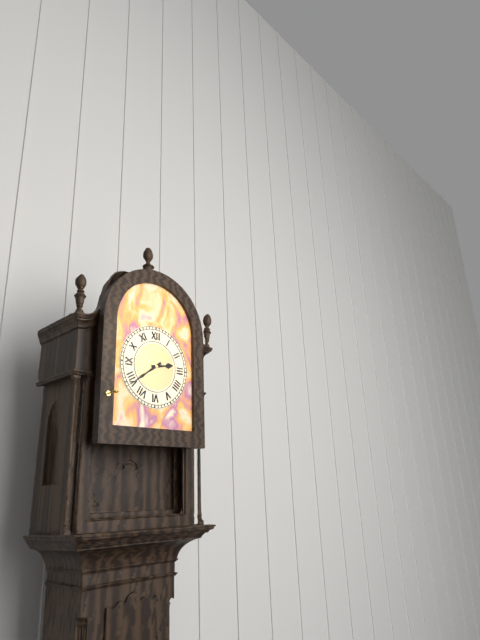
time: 2:39
